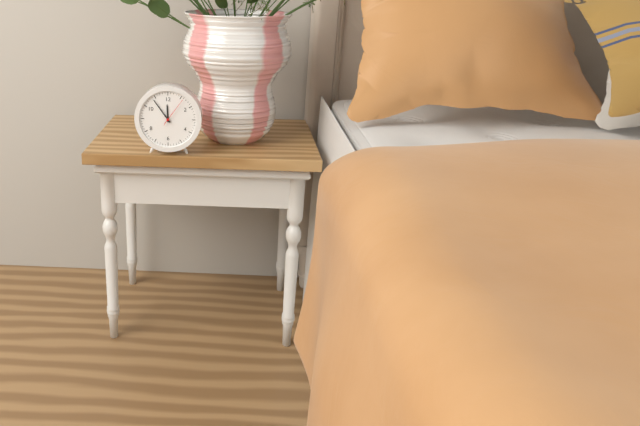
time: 11:54
